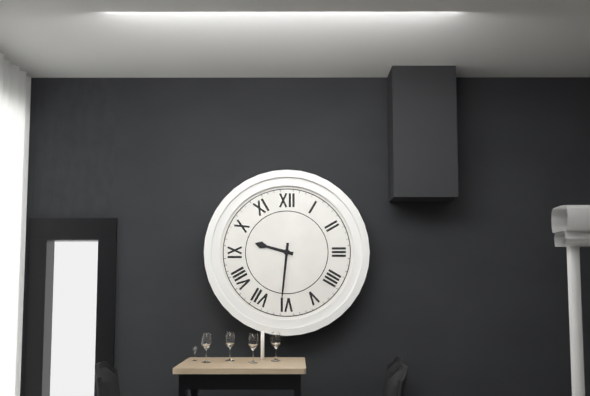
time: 9:31
